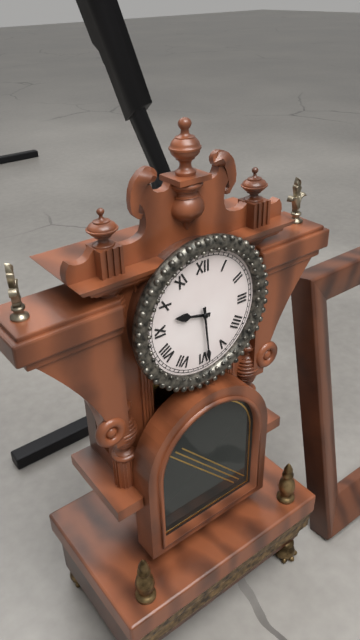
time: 9:29
